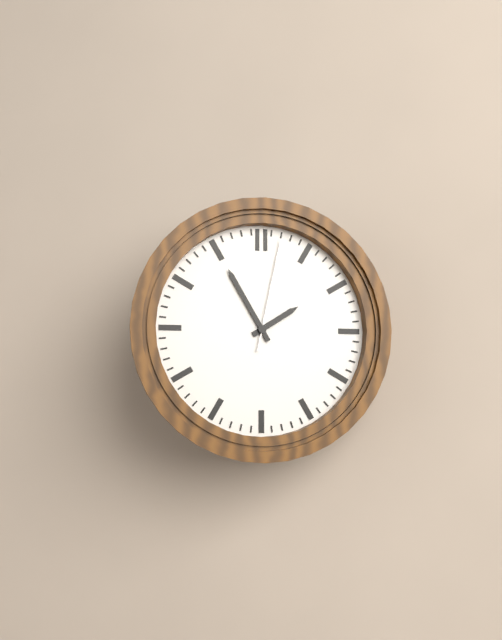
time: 1:55:02
